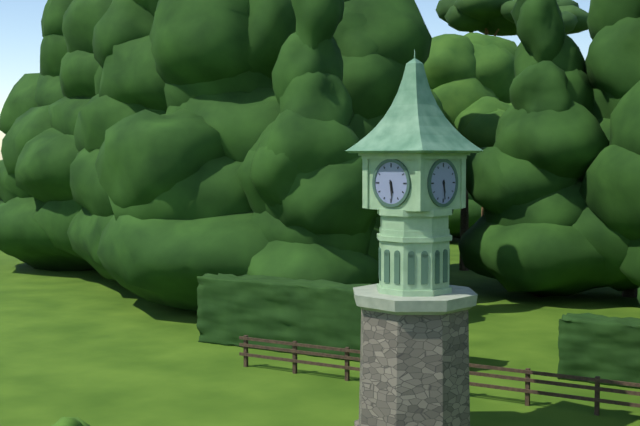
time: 5:29
